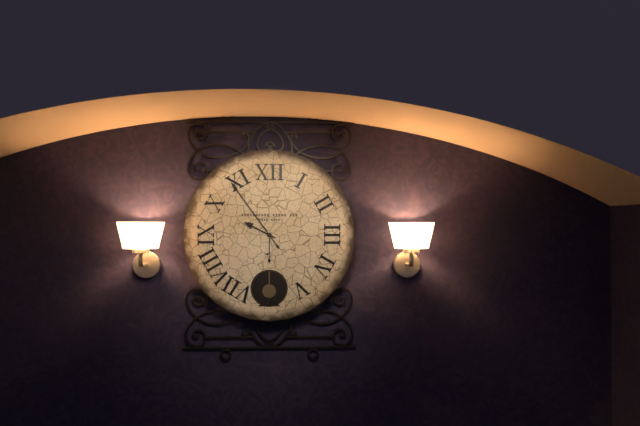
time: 9:54
